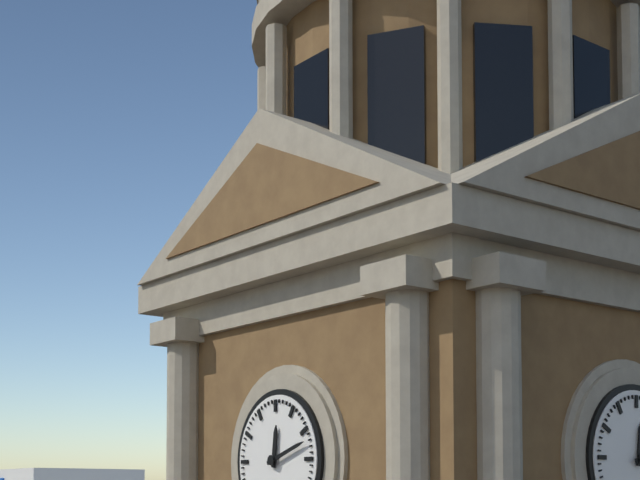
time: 12:12
